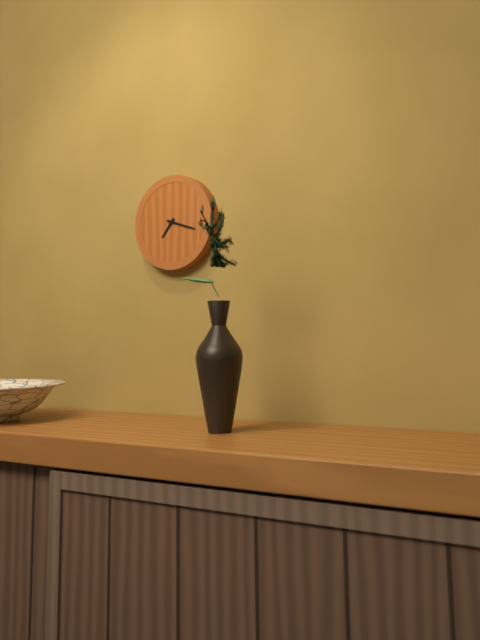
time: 7:18
